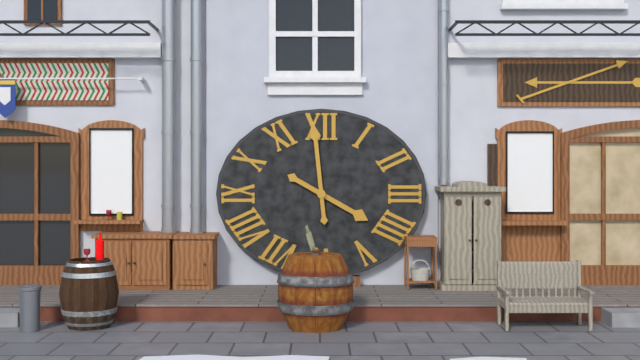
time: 3:59
